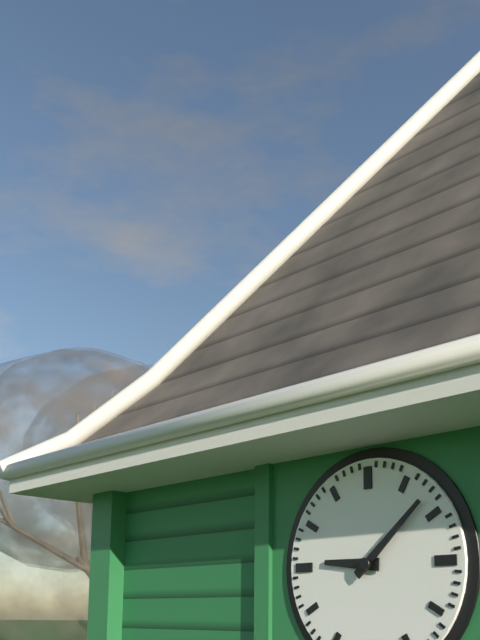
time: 9:08
